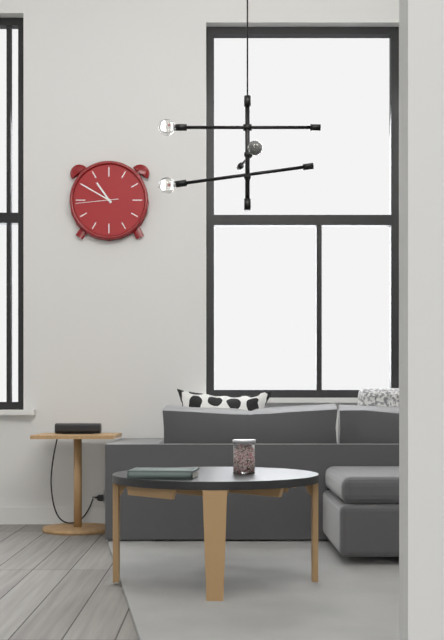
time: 10:50
